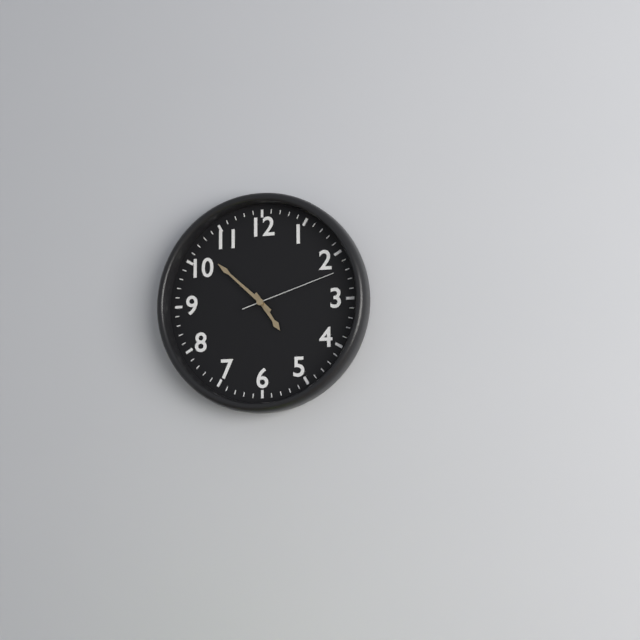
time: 4:52:12
